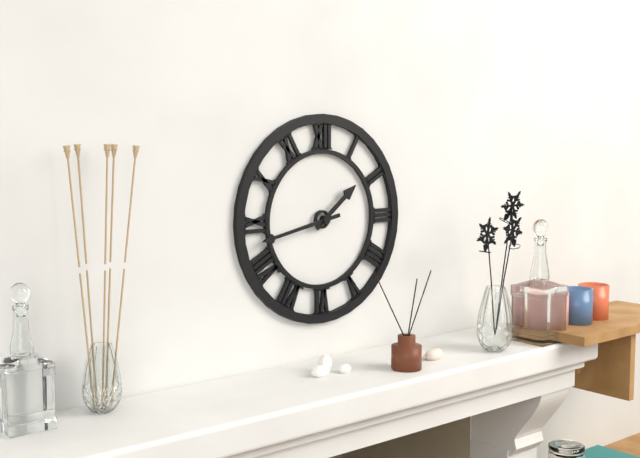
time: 1:43
